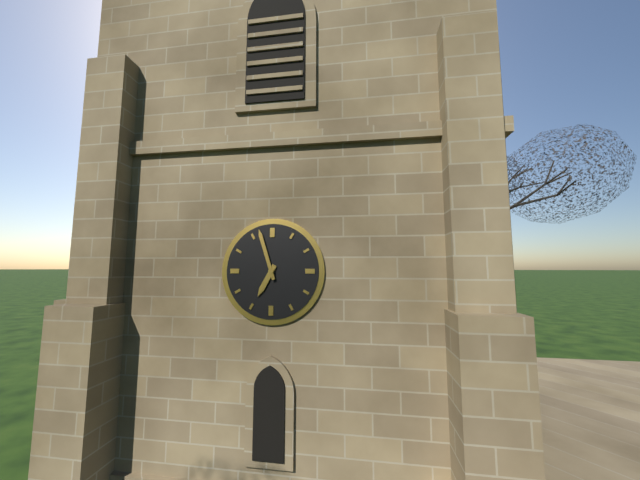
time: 6:57
